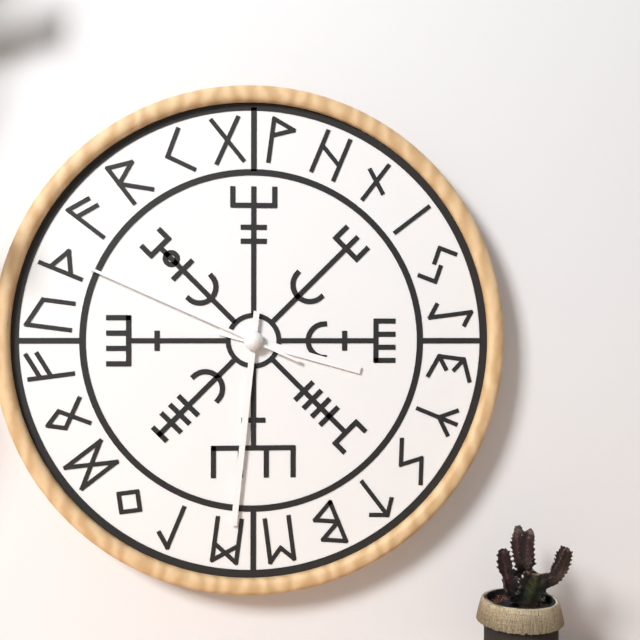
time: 3:31:49
